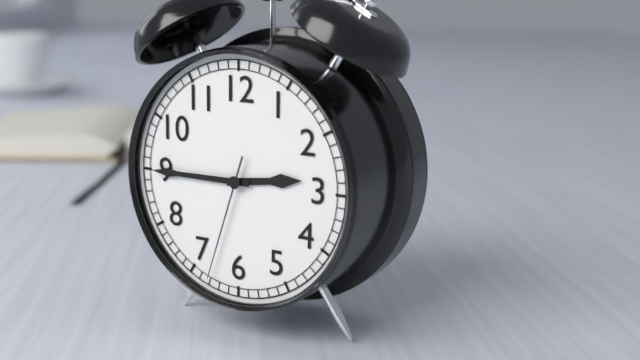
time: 2:45:33
